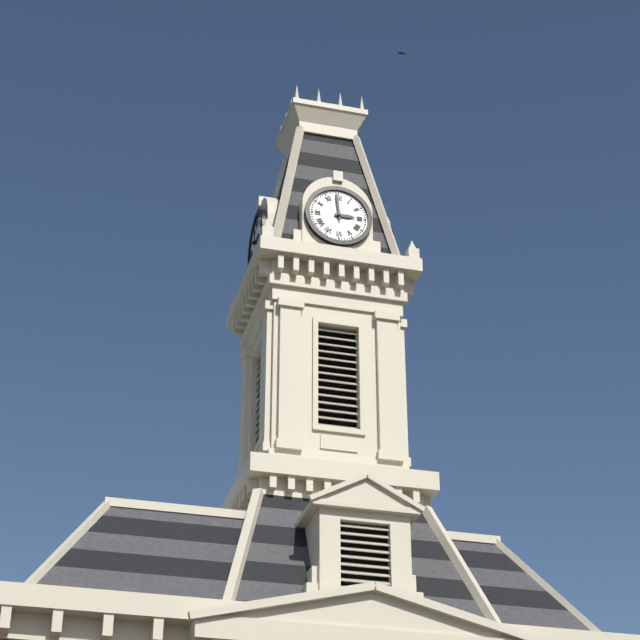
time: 2:59
